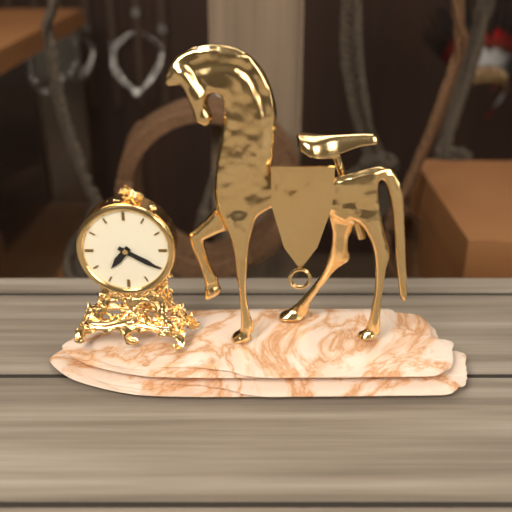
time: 7:20
